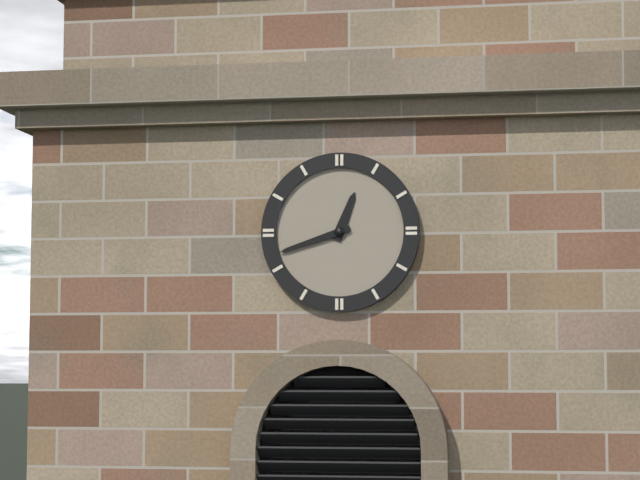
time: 12:42
